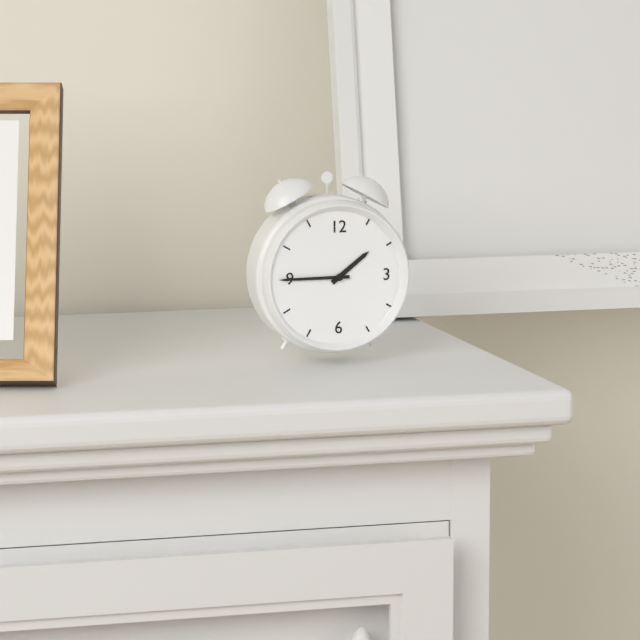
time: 1:45
